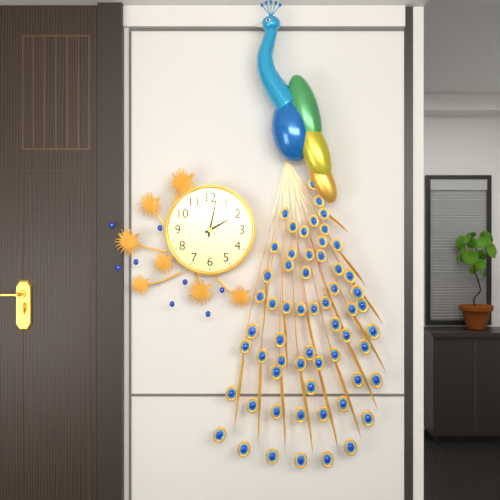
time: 2:02
